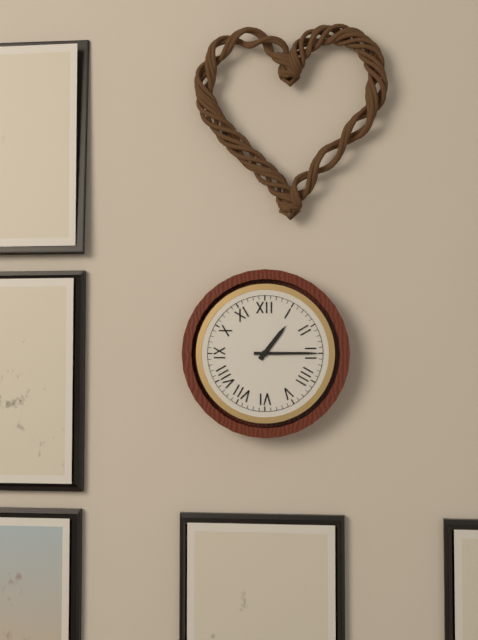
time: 1:15
